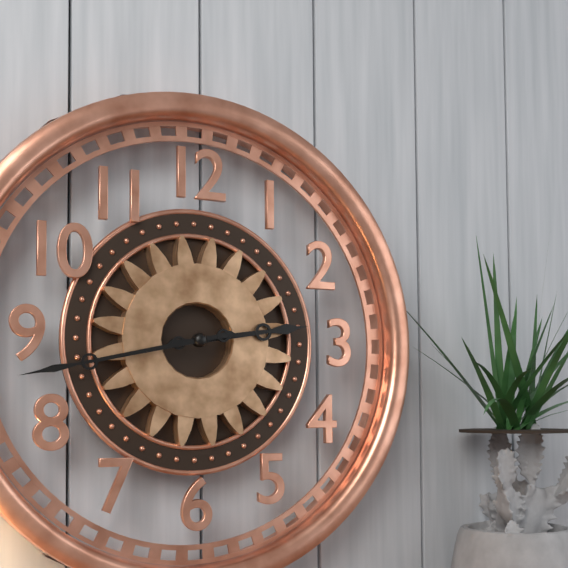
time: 2:43
